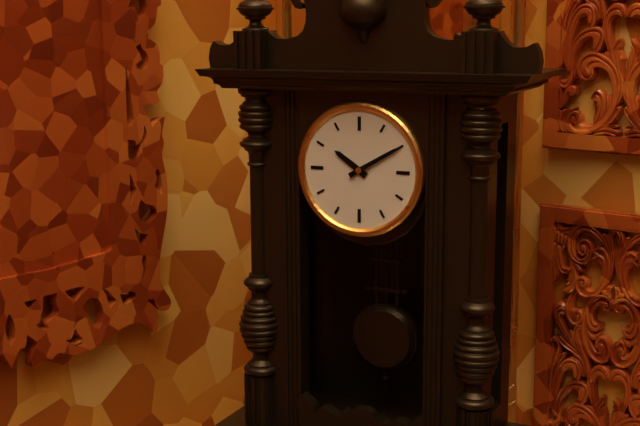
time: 10:10
